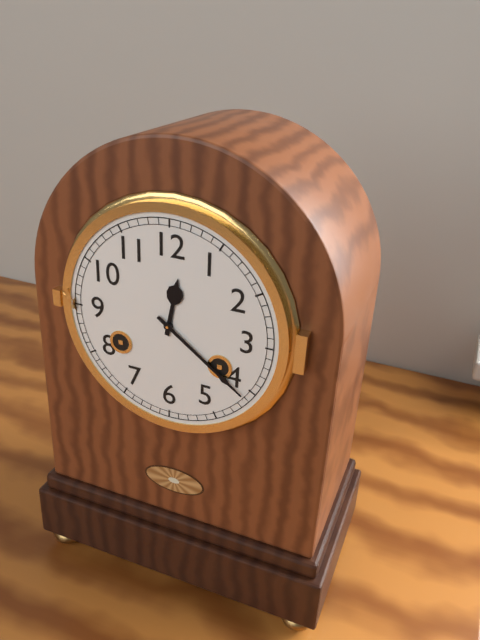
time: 12:21
